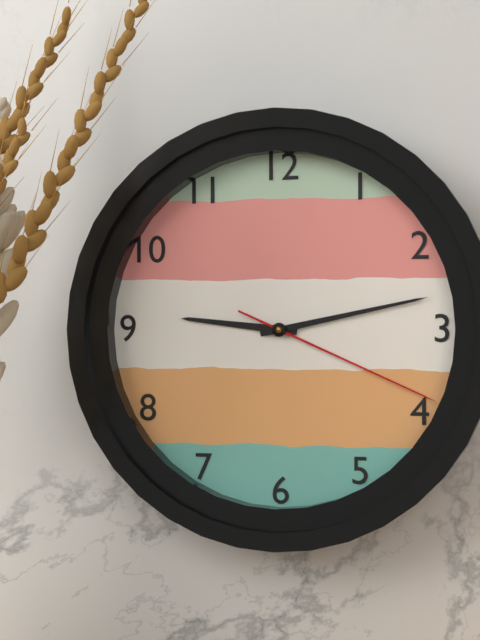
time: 9:13:19
